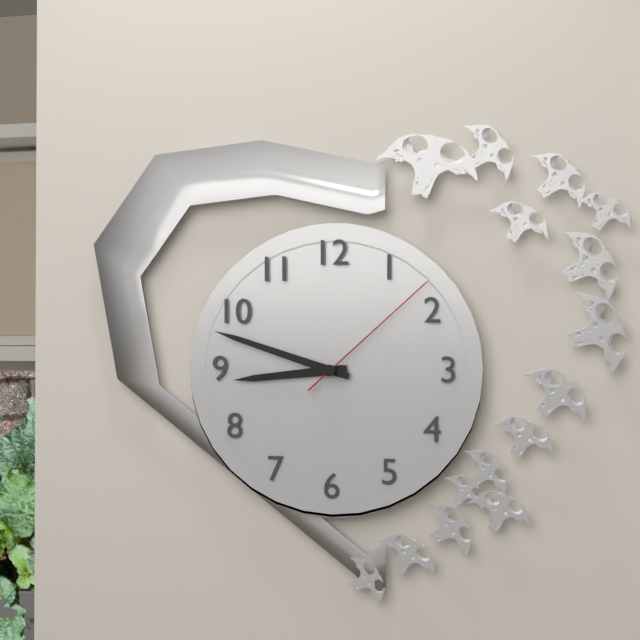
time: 8:48:08
